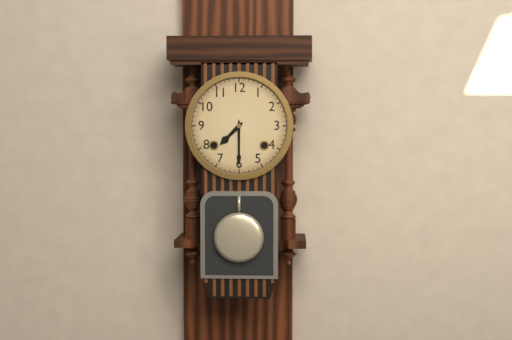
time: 7:30
